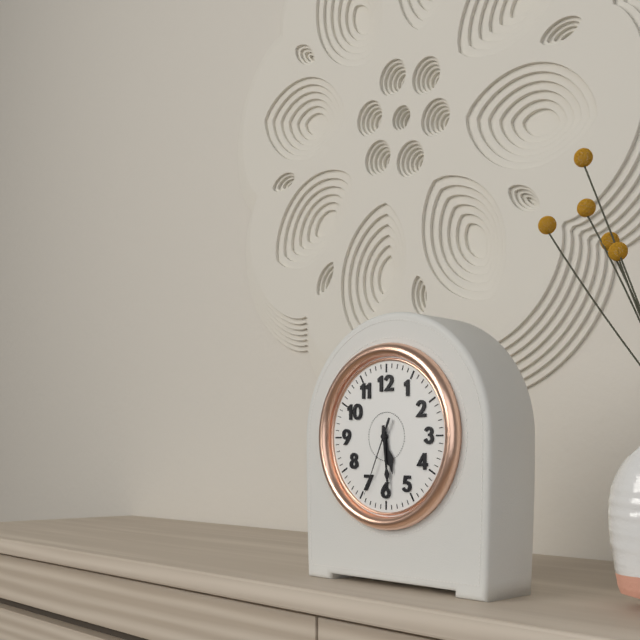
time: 5:29:34
